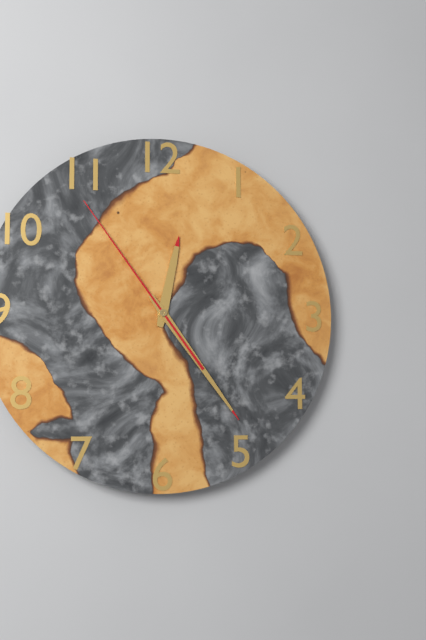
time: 12:24:54
